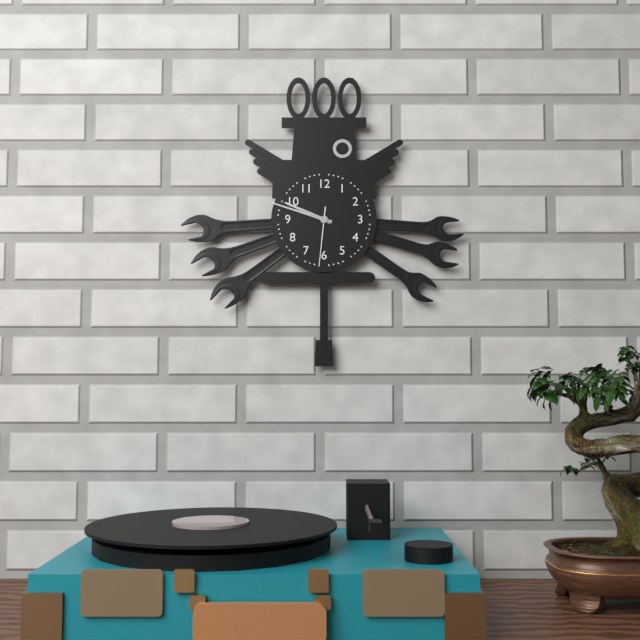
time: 9:48:31
